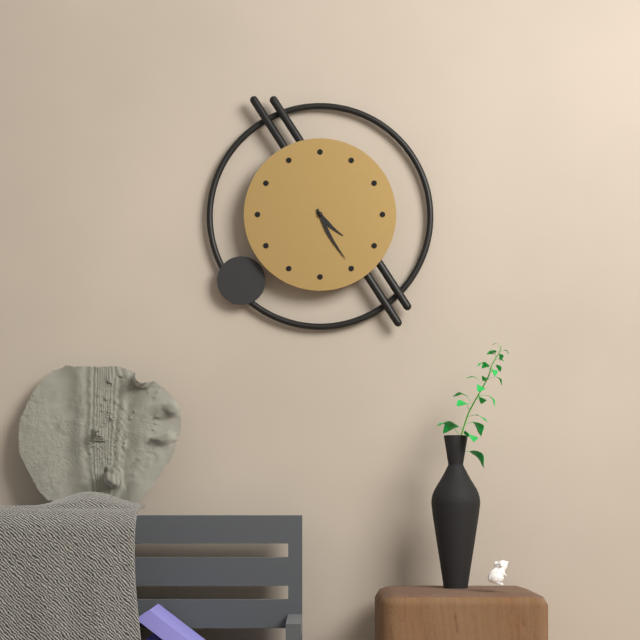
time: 4:25
